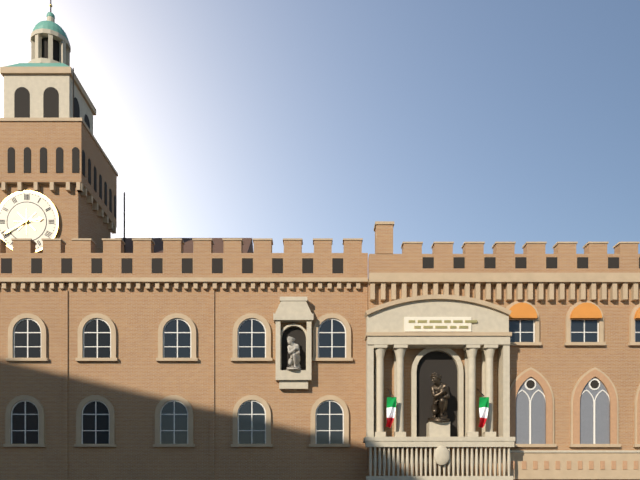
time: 2:40
